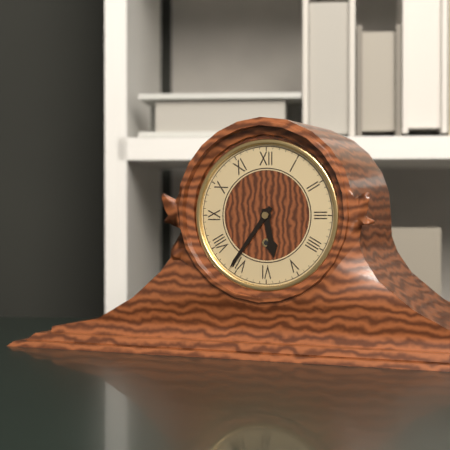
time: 5:36
